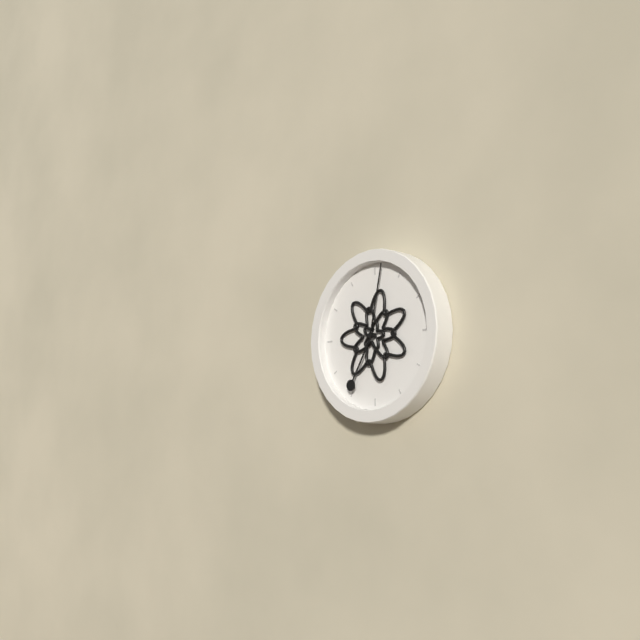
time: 7:02
